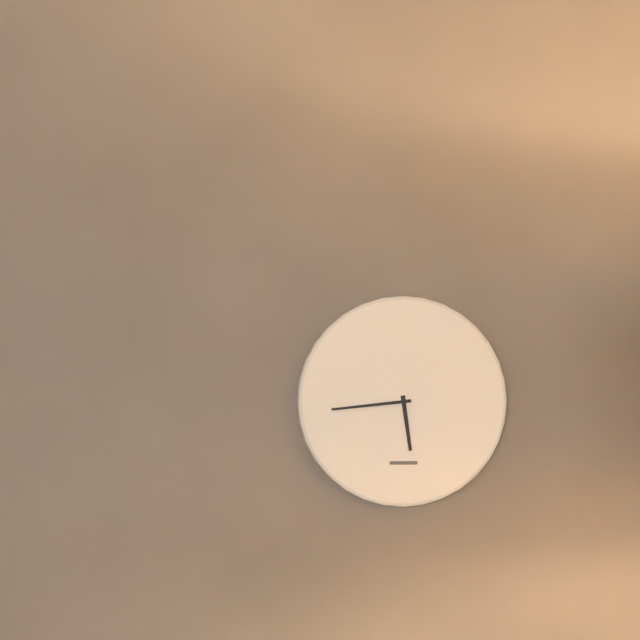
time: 5:44
